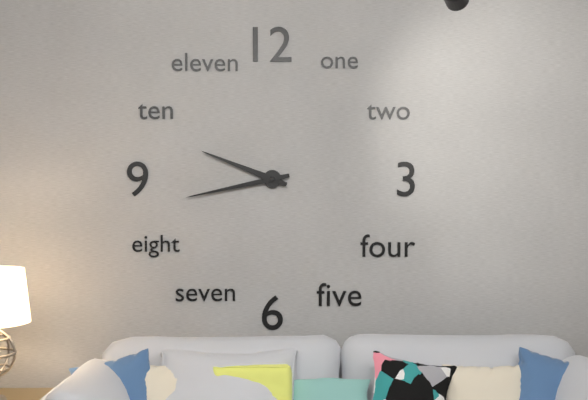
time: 9:43
